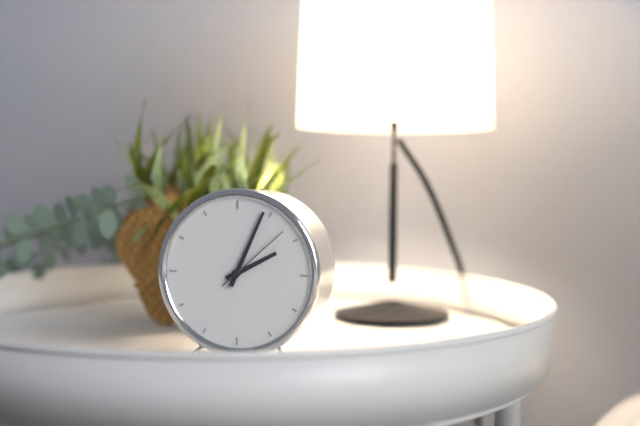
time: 2:04:08
